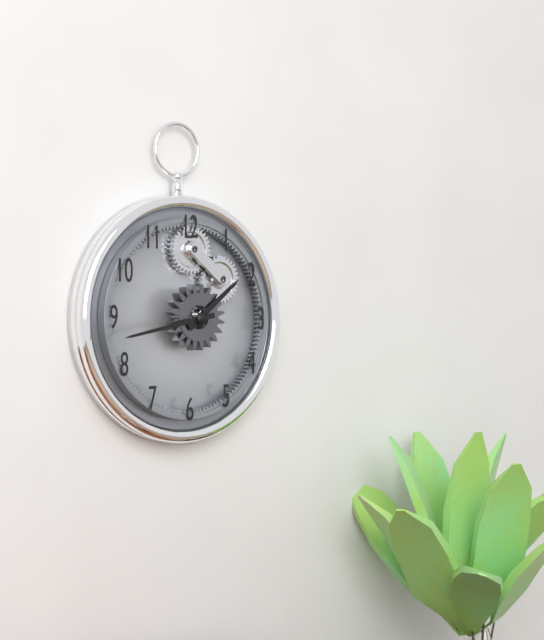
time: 1:43
